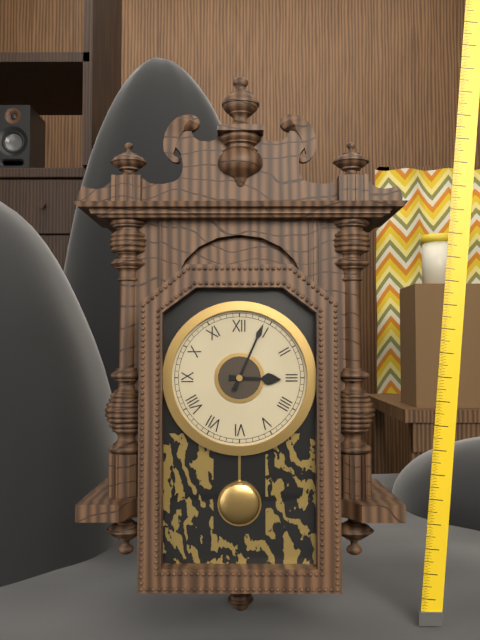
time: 3:04
